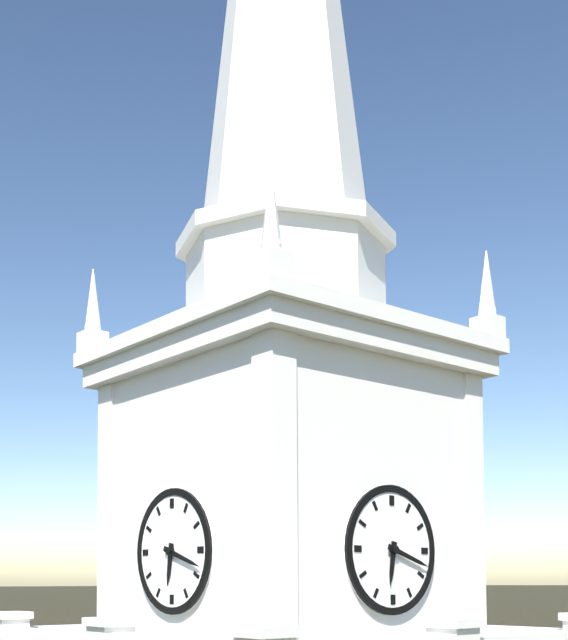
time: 6:18
